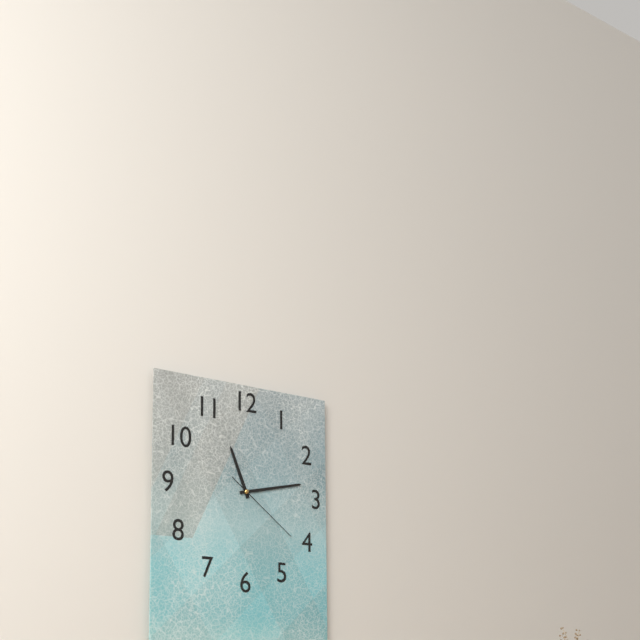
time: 11:13:21
